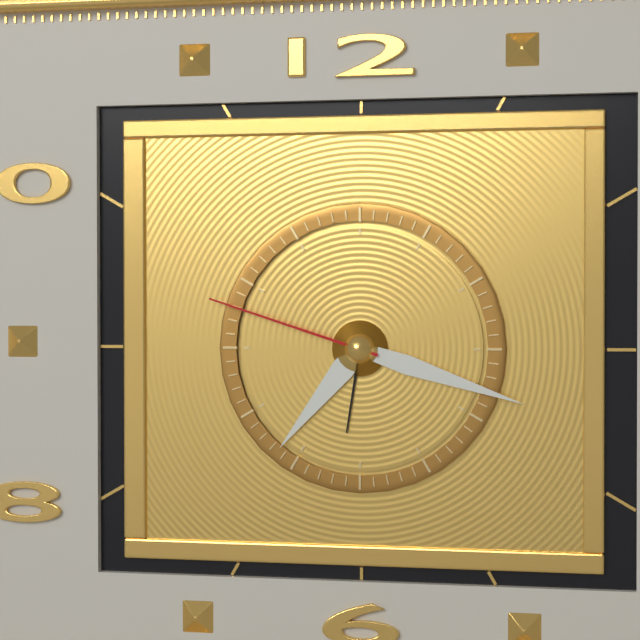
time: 7:18:48
